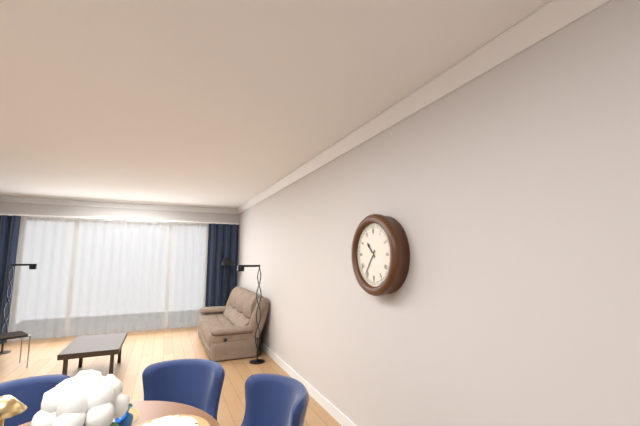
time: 10:36
